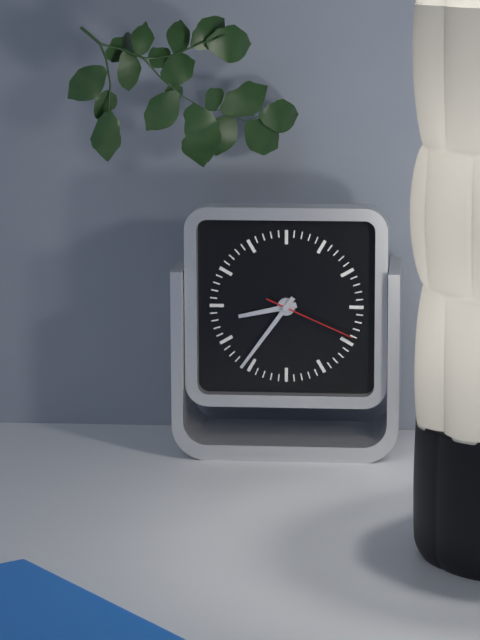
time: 8:36:19
